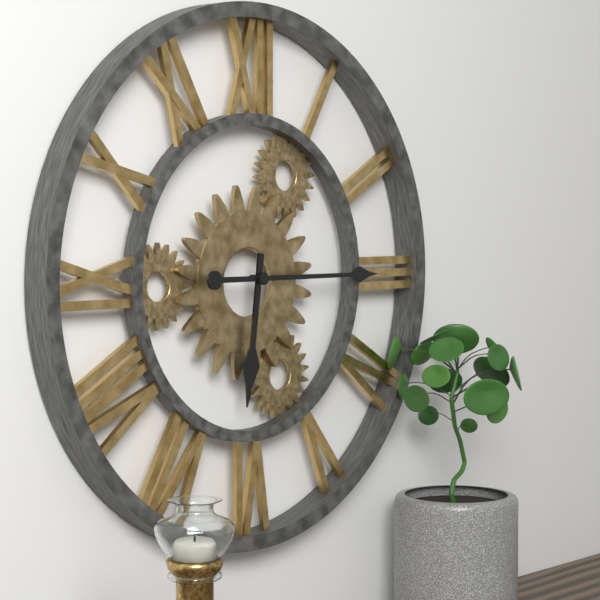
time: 6:15
